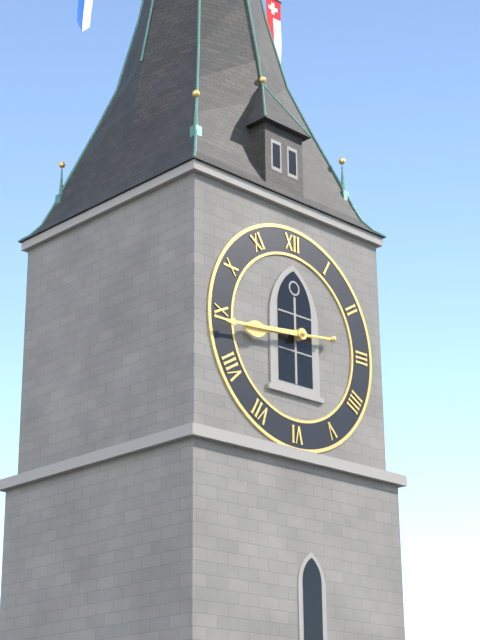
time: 8:44
